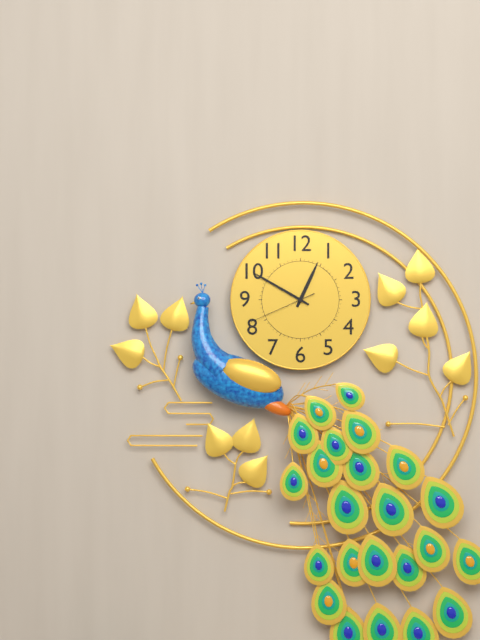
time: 12:50:41
